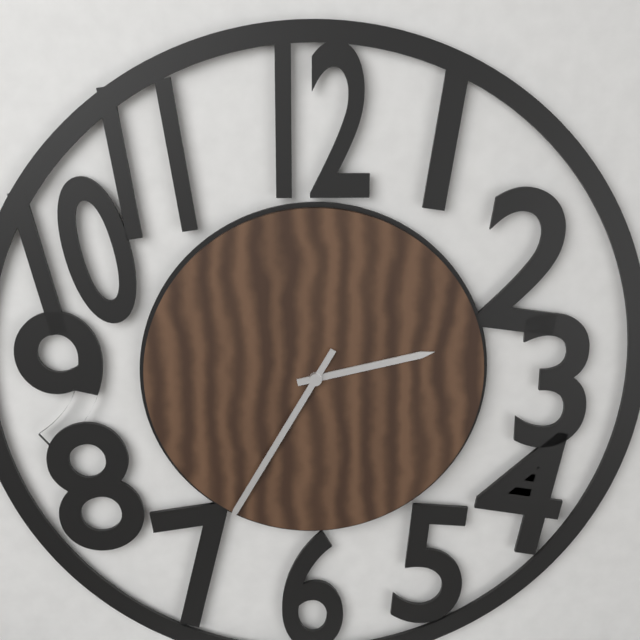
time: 2:35
